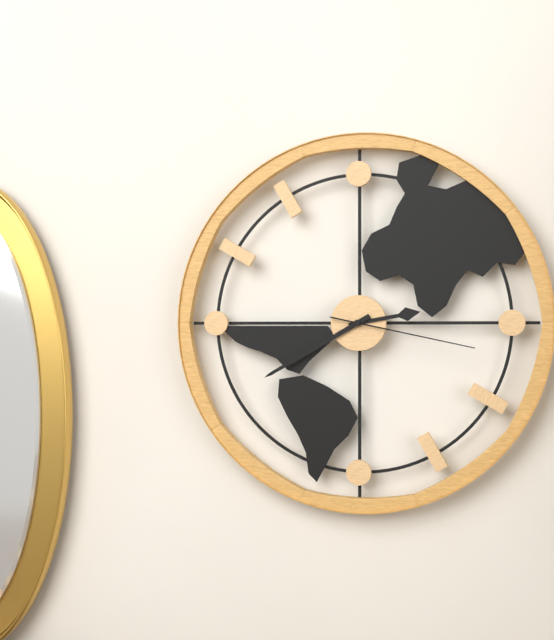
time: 2:40:17
